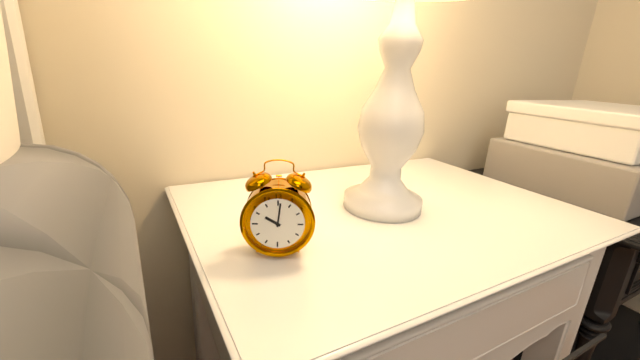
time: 10:01
